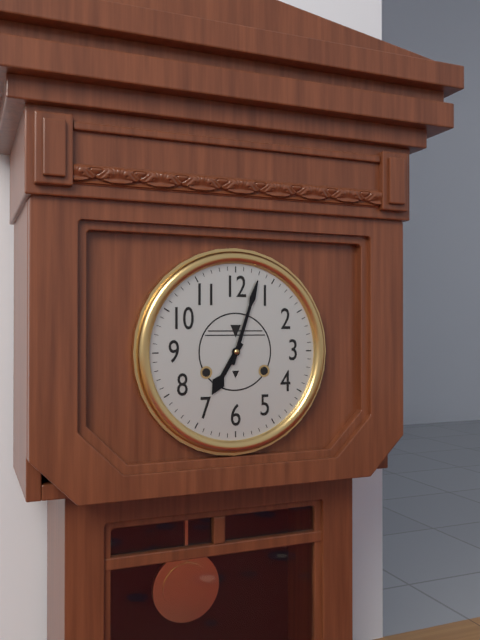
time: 7:03
